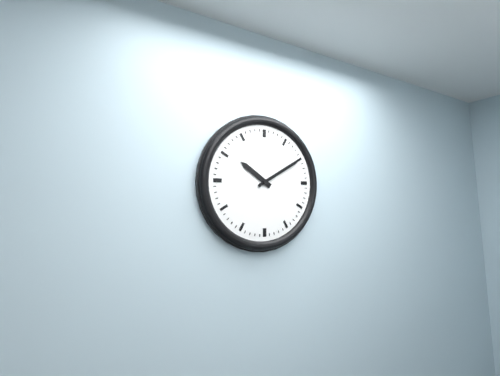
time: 10:10
